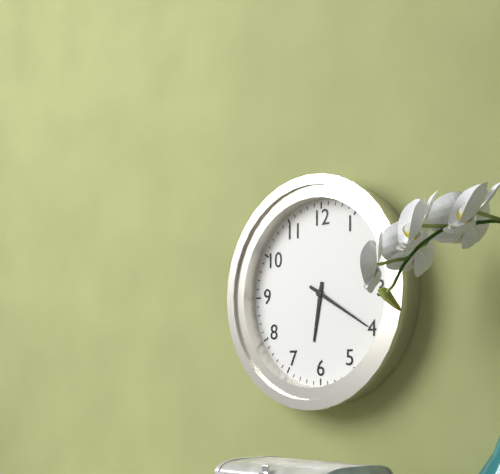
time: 6:20
